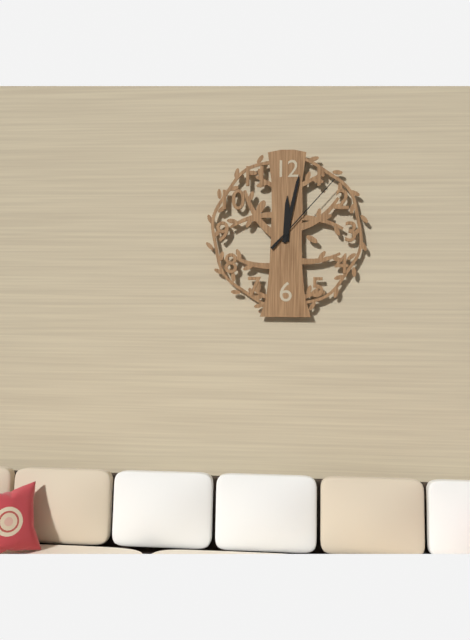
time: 12:02:07
